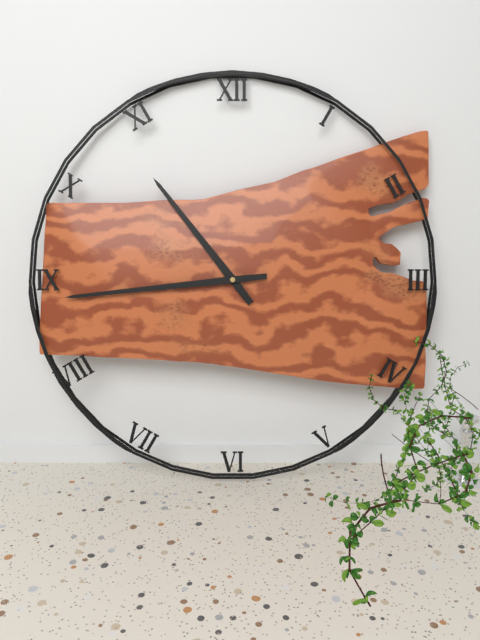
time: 10:44
